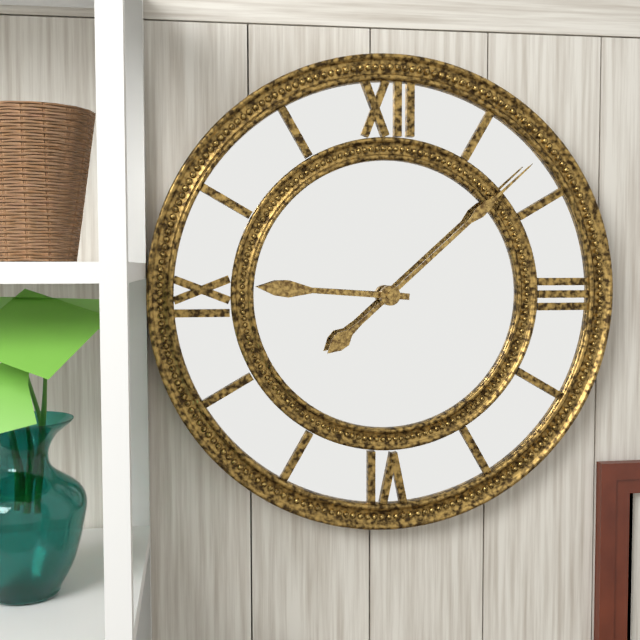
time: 9:08
